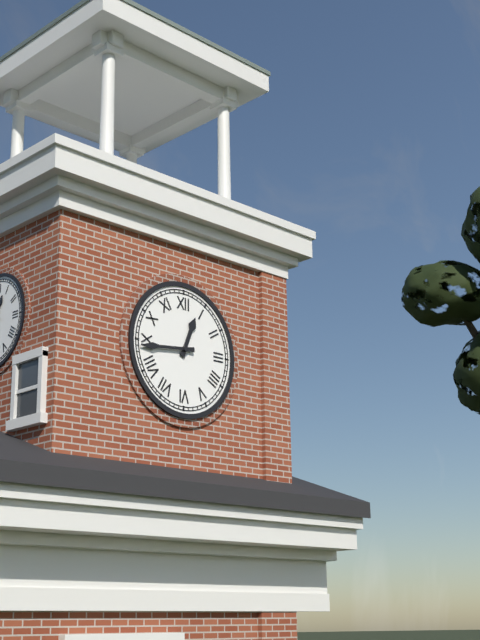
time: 12:44
